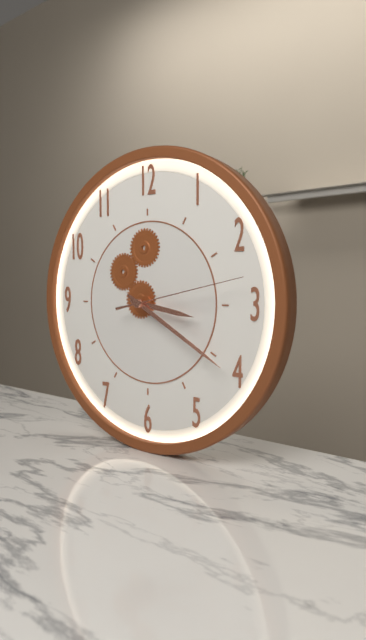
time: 3:20:13
